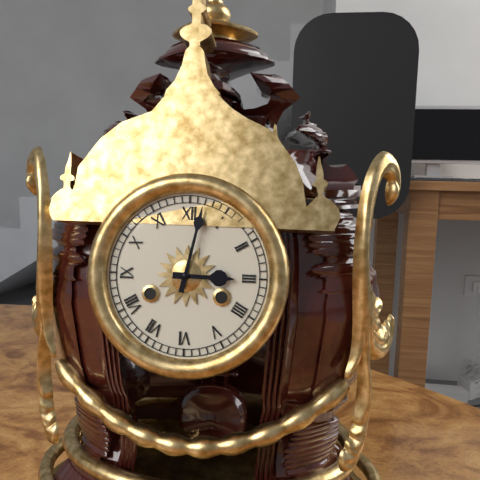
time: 3:02
